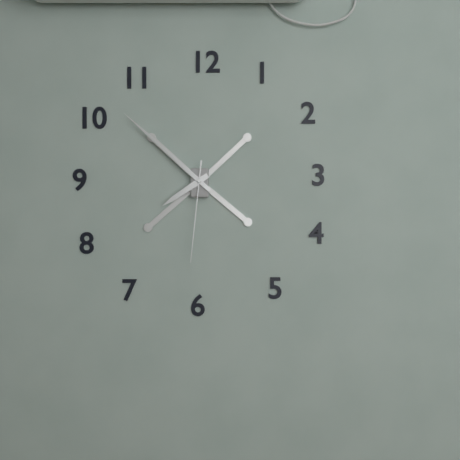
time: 7:52:31
